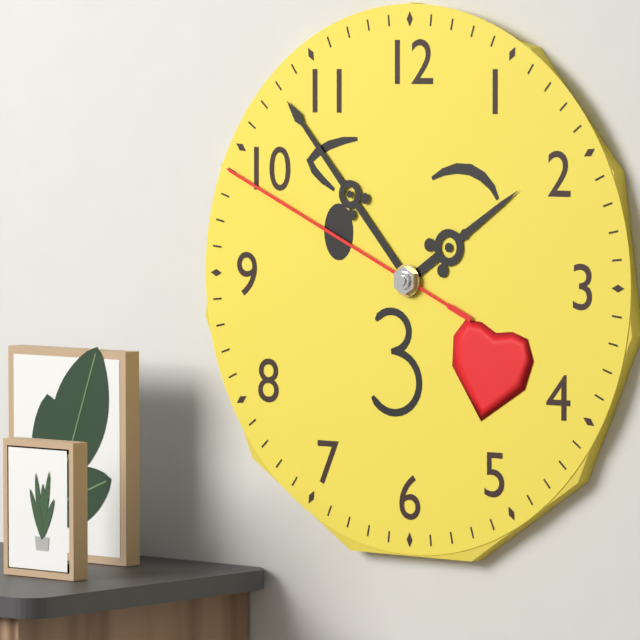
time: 1:53:49
